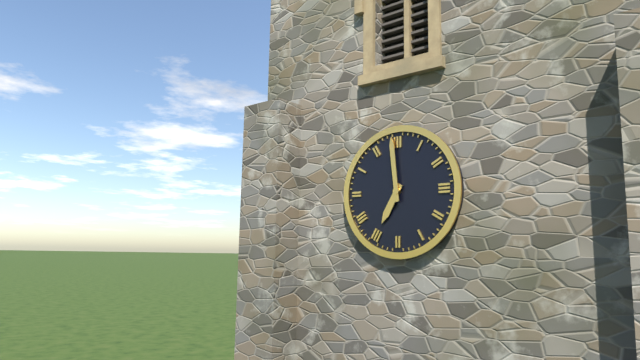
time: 6:59
